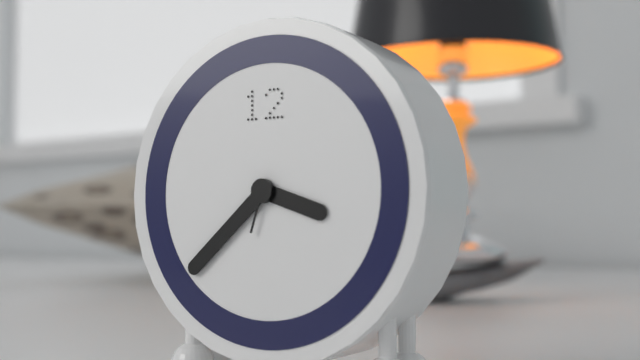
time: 3:38:33
